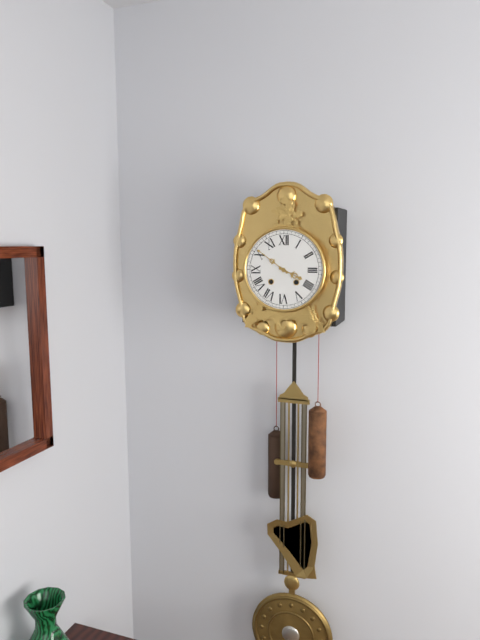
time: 3:51
